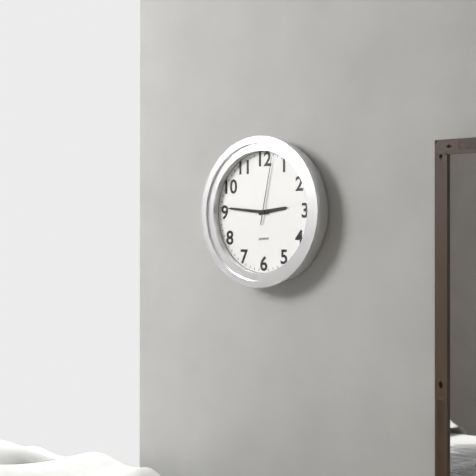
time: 2:46:02
